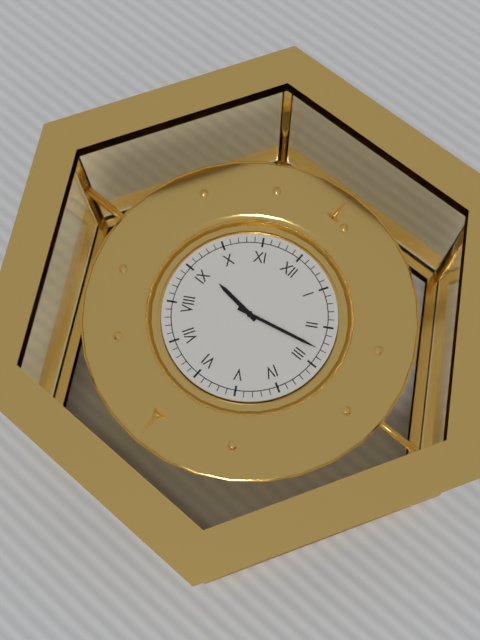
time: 9:13
